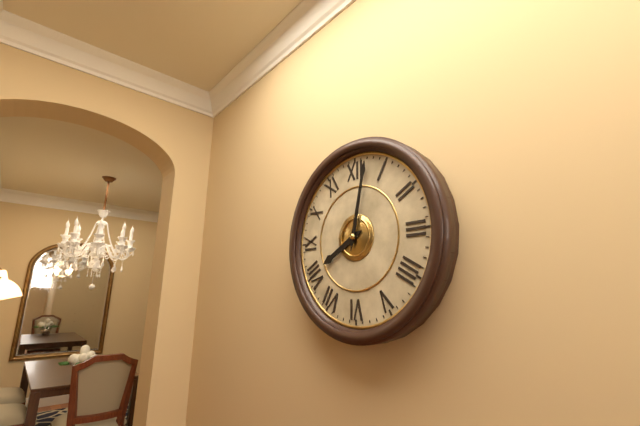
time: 8:02
